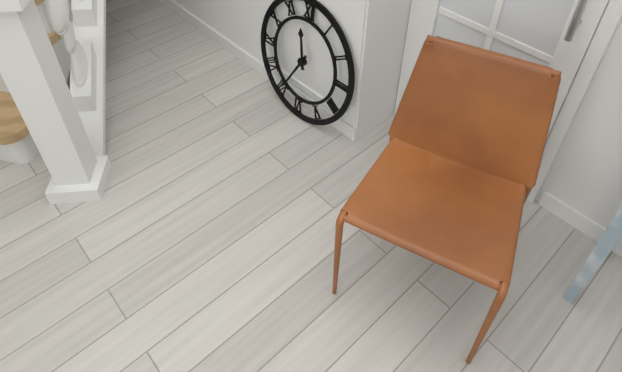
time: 11:35
